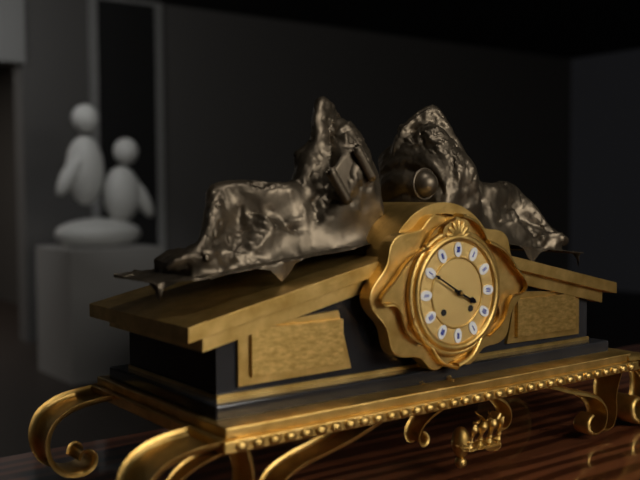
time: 3:50
